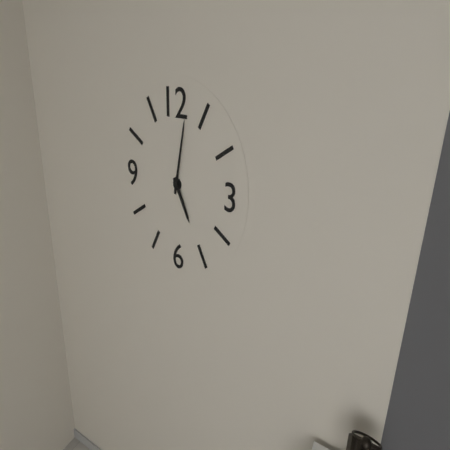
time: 5:02
